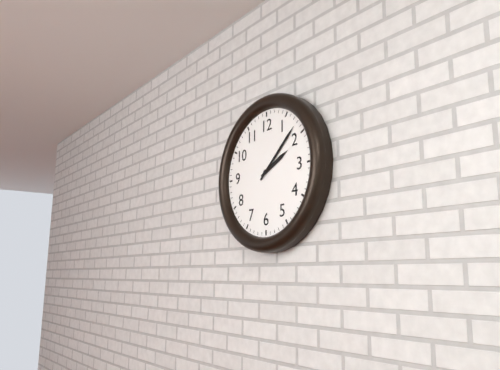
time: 2:08
